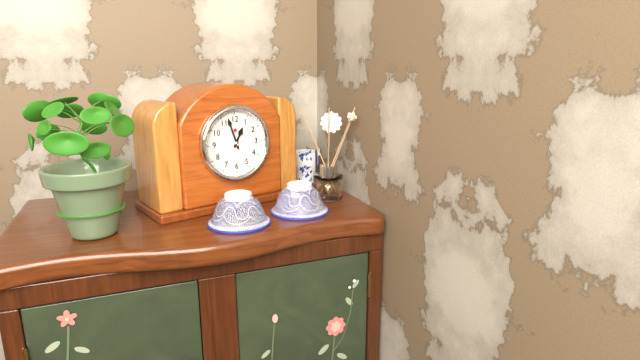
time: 12:57
